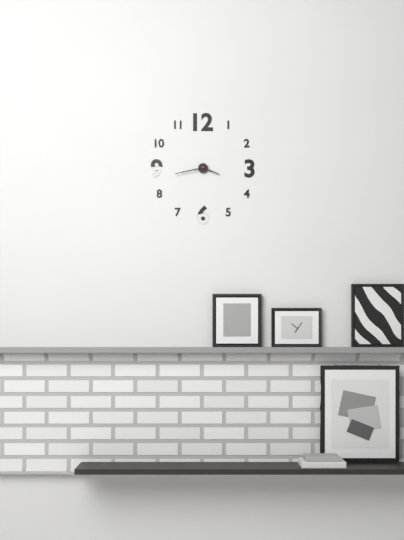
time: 3:43
